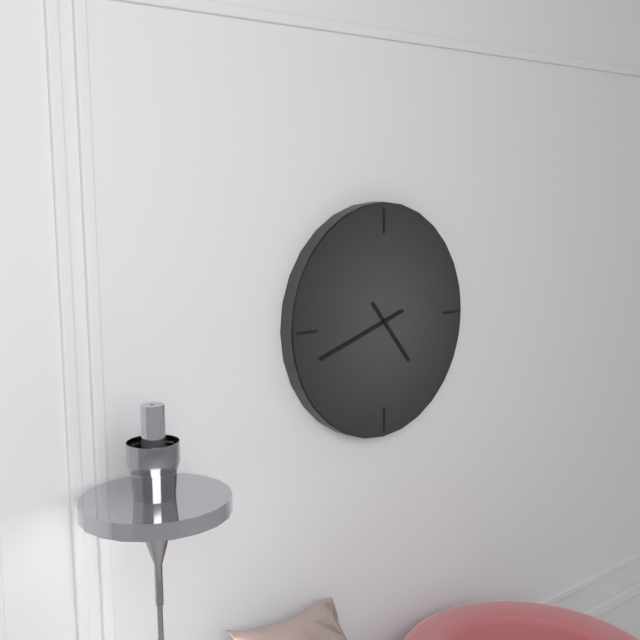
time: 4:42
